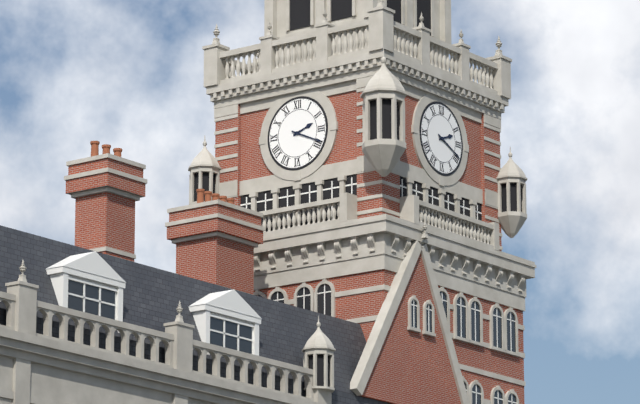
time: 2:19
